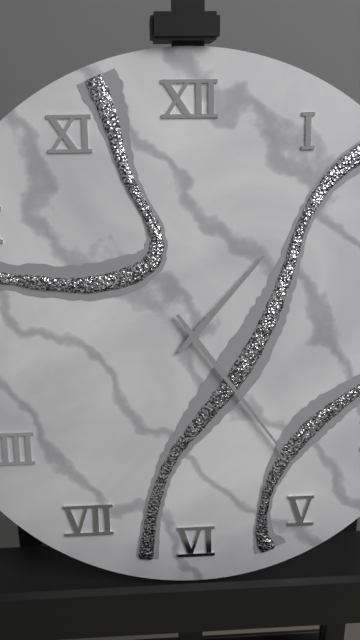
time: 1:24
